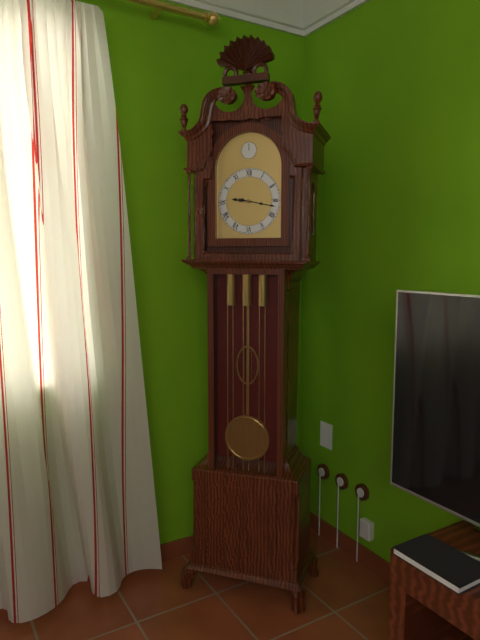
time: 9:17
